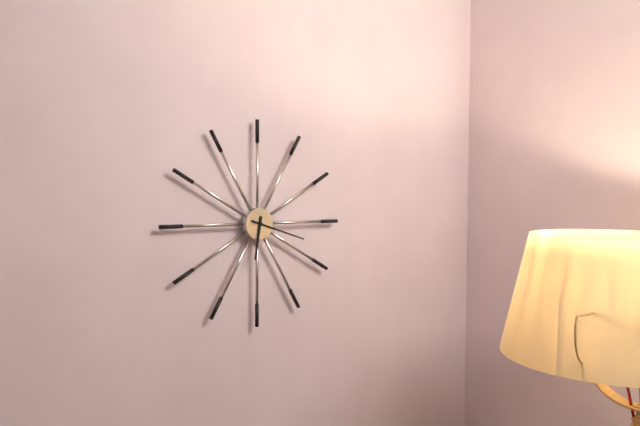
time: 6:18
